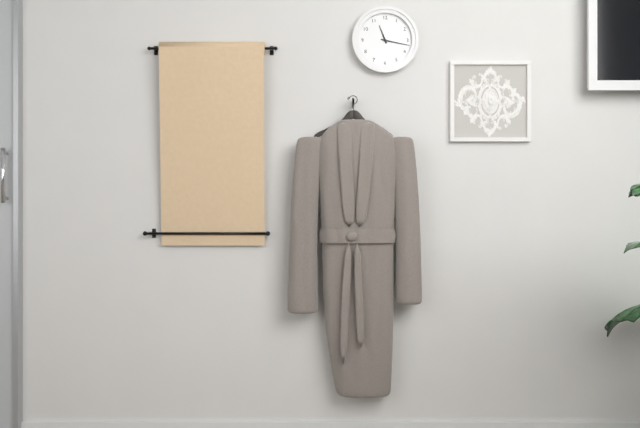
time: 11:17
